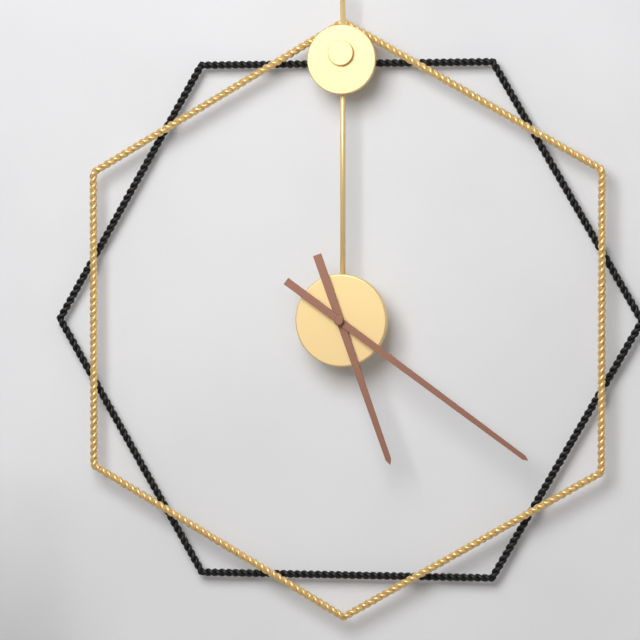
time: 5:21
